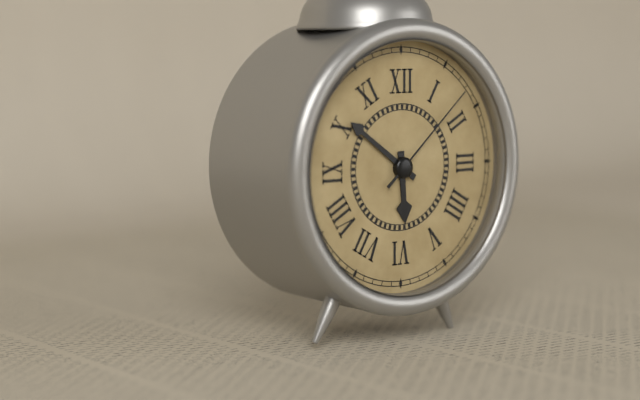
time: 5:51:08
